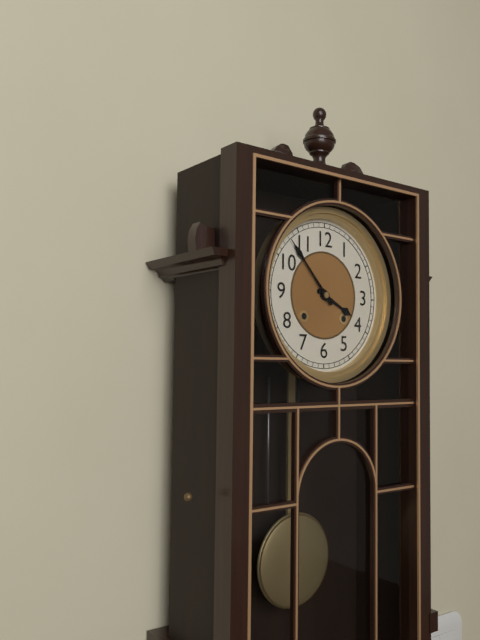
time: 3:53
